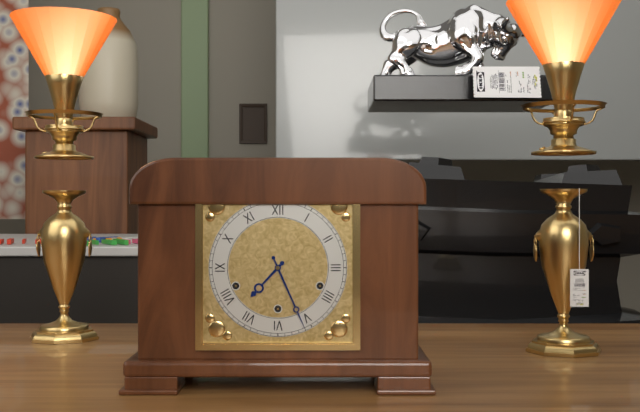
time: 7:26
